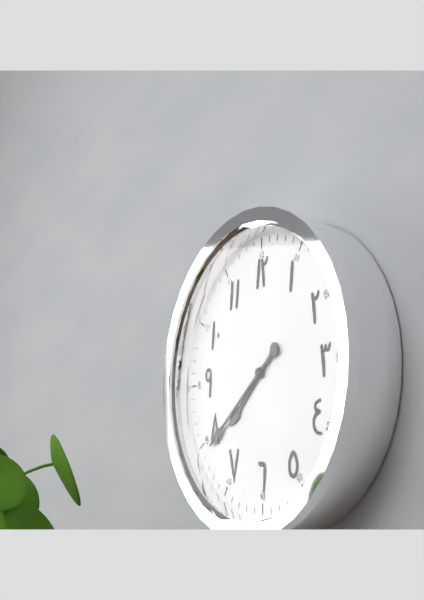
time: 7:39
